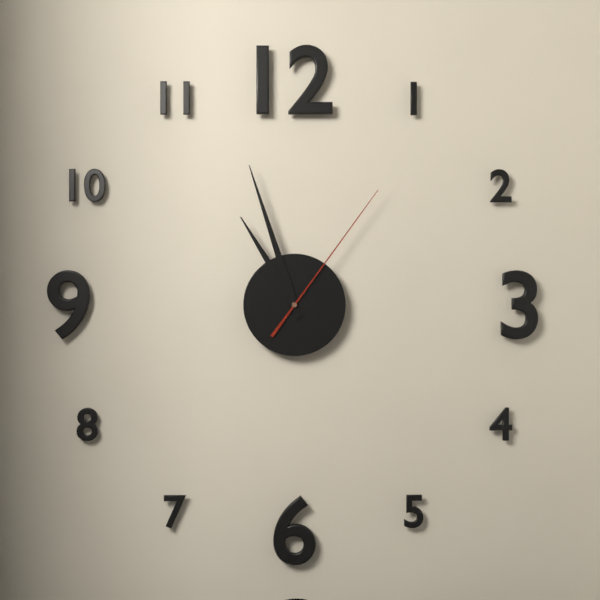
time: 10:57:06
